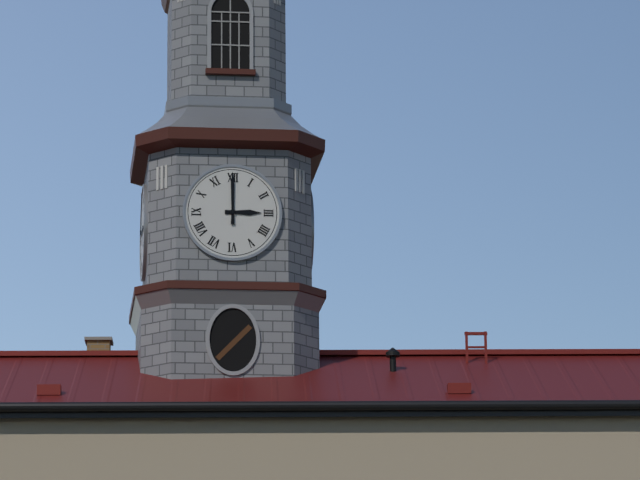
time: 3:00
